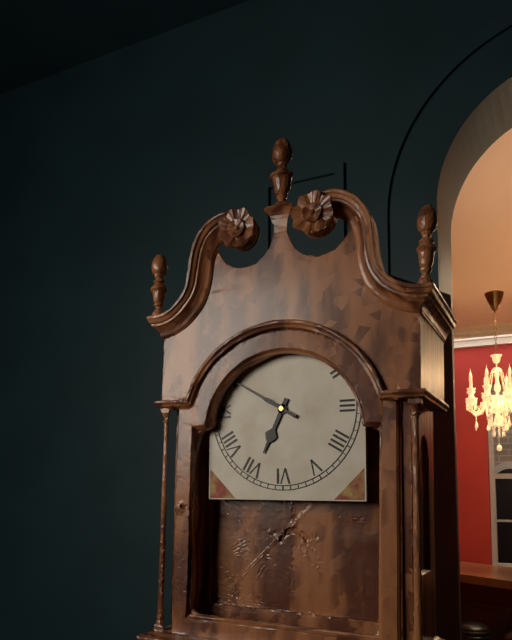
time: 6:50
